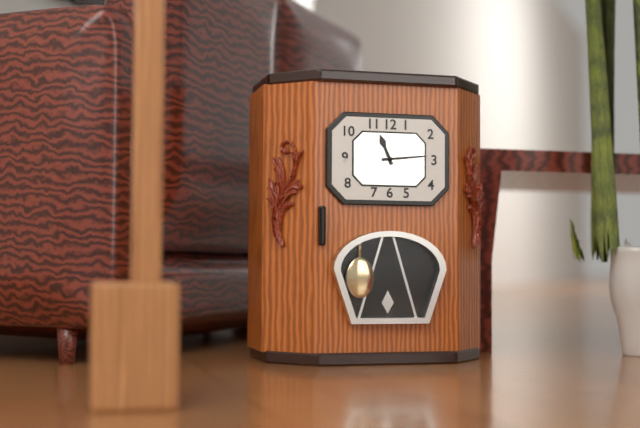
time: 11:14
